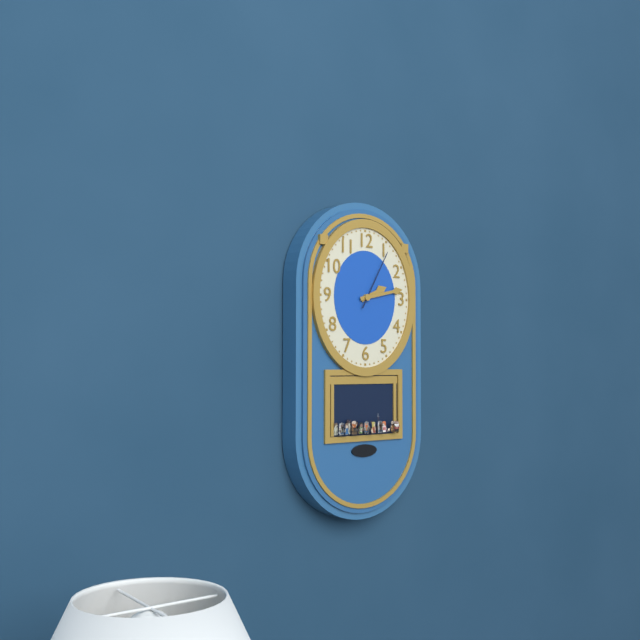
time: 2:13:05
